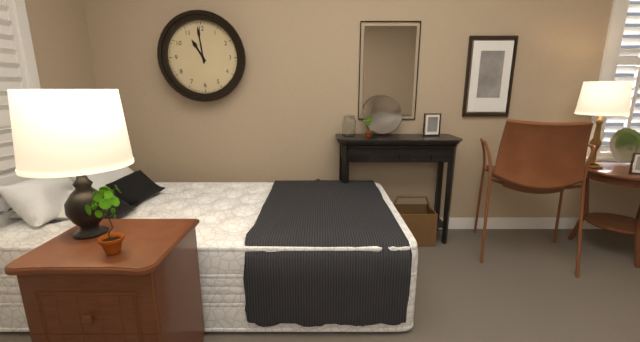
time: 10:59
